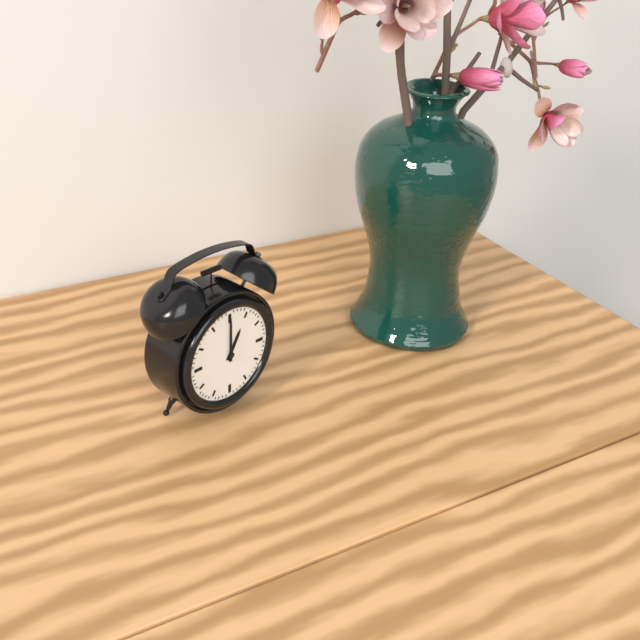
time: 1:00
